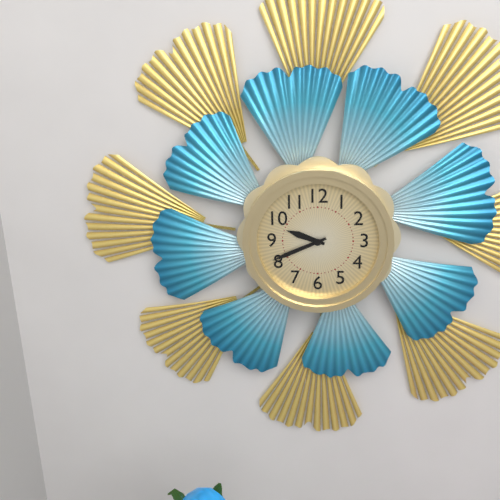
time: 9:41
